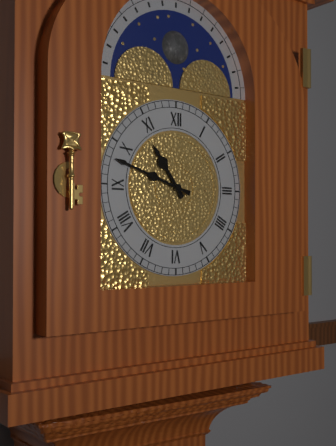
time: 10:48
